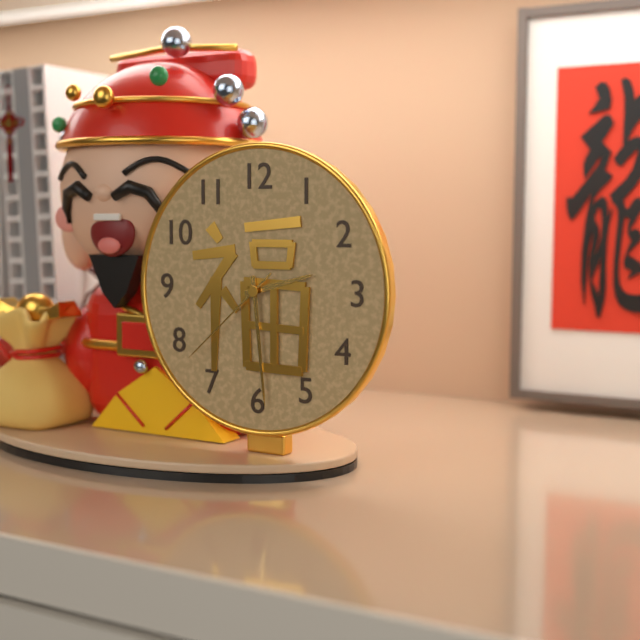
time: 2:29:38
